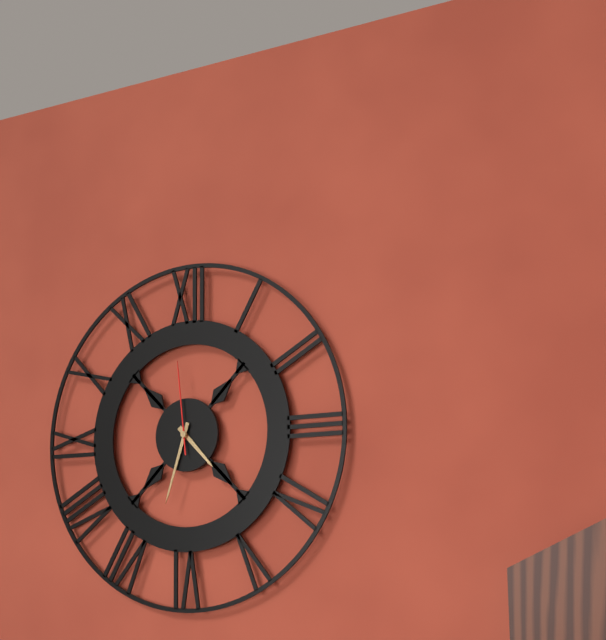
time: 4:33:59
